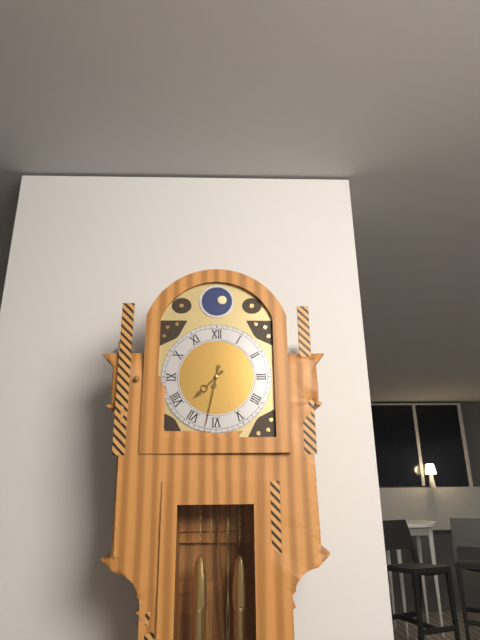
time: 7:32
